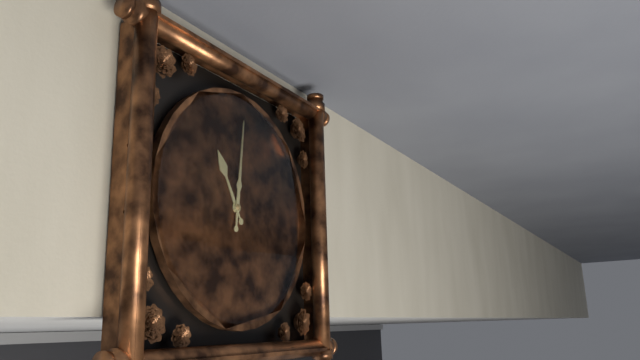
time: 11:01
